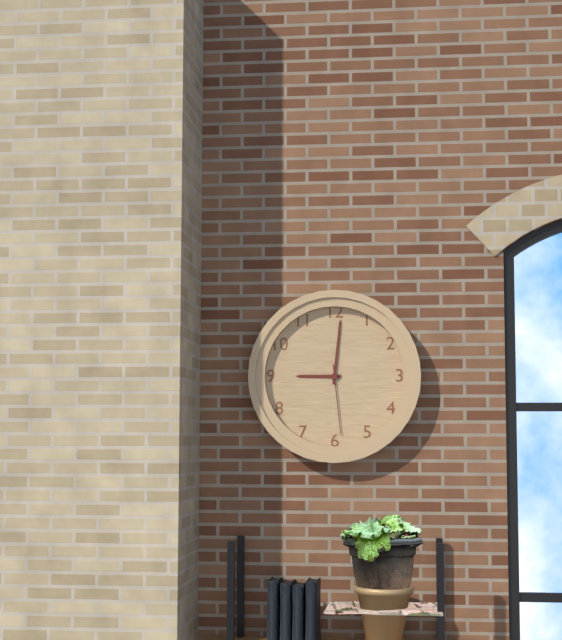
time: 9:01:29
